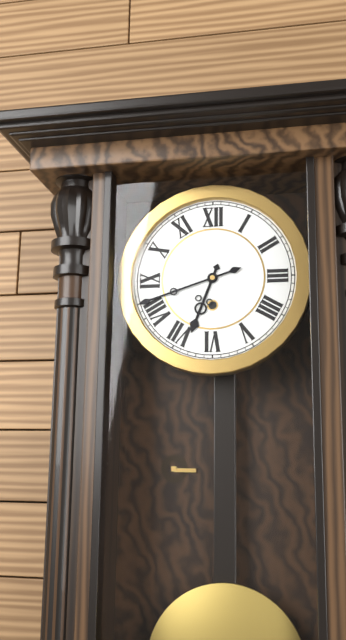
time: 6:42
